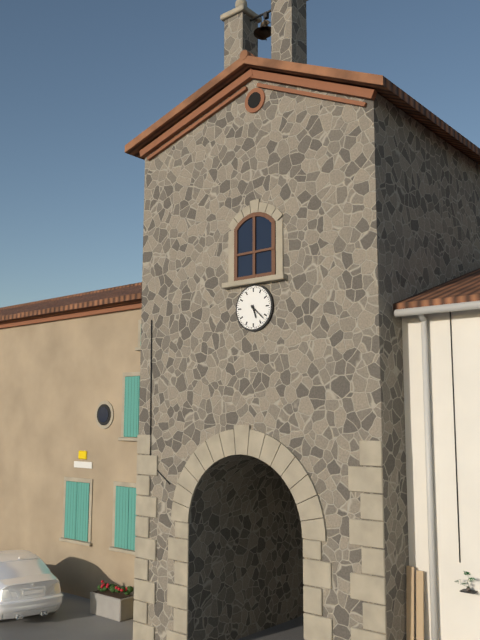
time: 5:22
